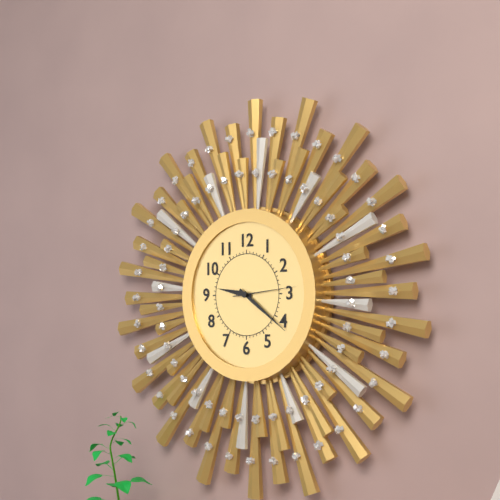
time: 9:21:14
